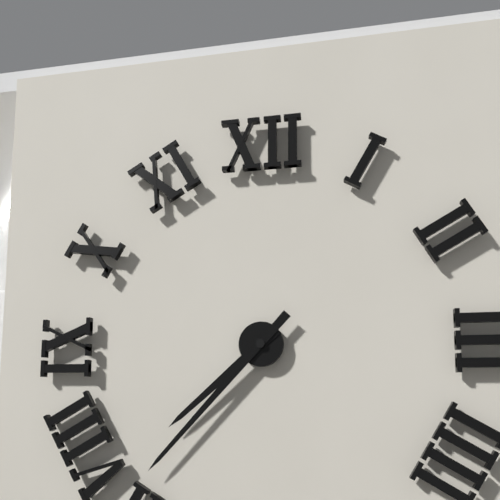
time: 7:37
